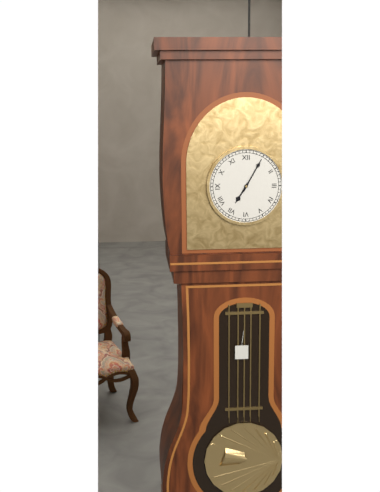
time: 7:05
